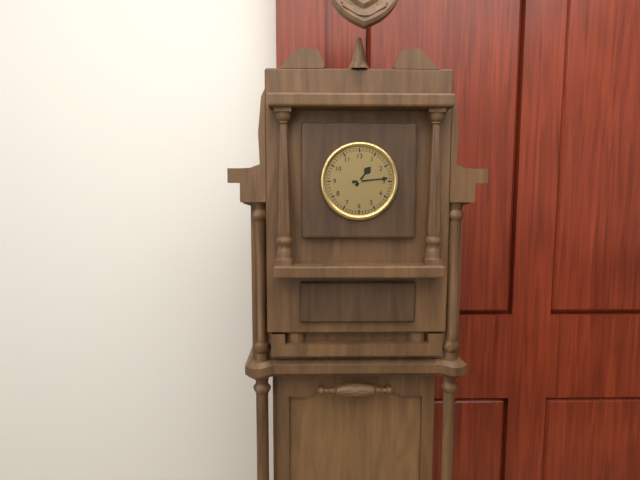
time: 1:14
